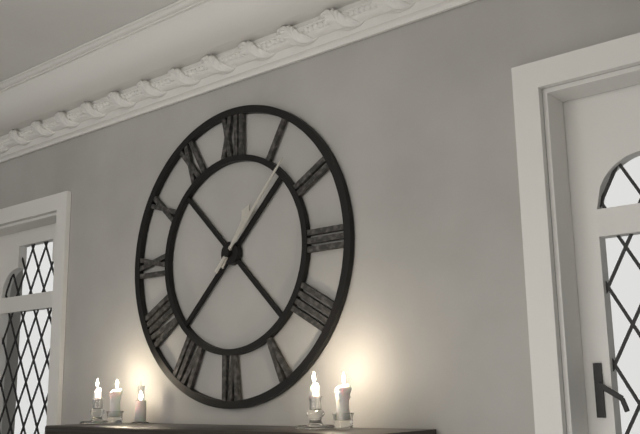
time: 1:07
